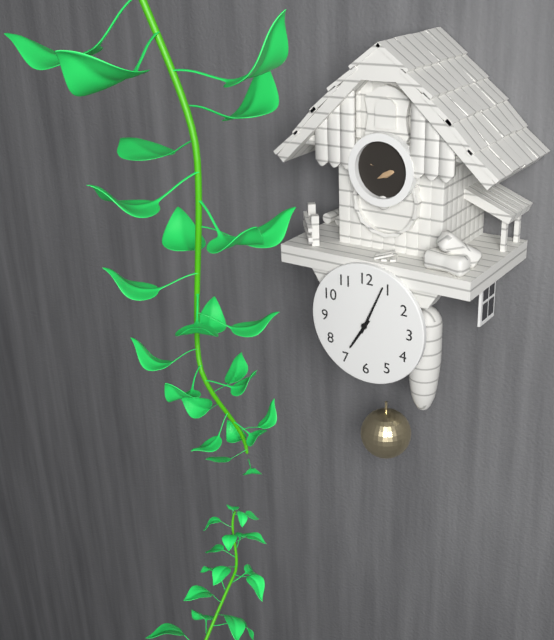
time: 7:04
